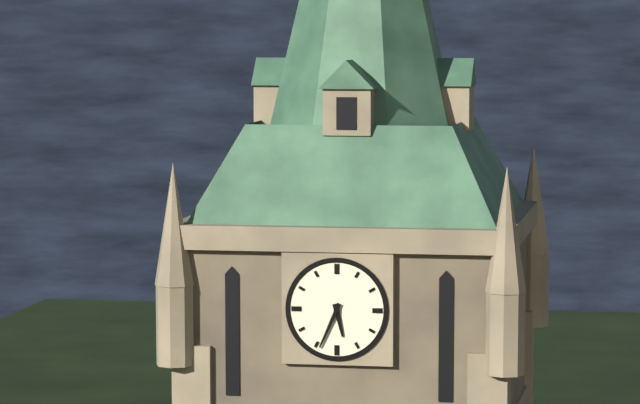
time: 5:34
